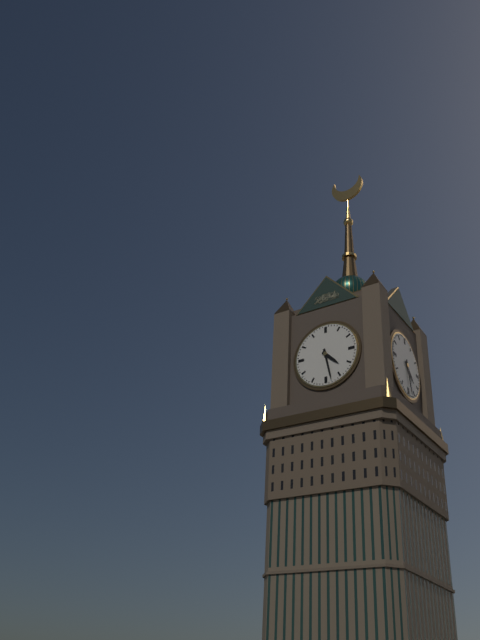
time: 4:28
